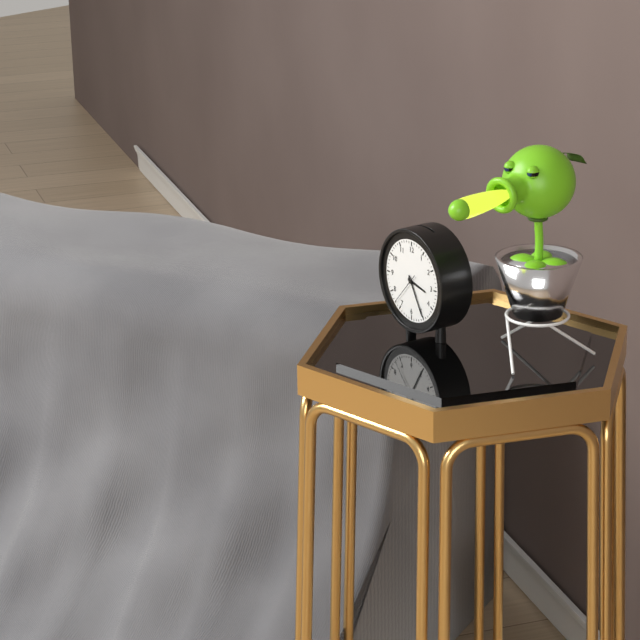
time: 3:25
